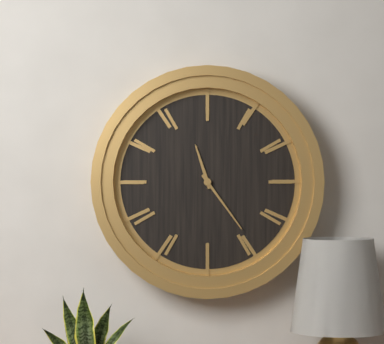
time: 11:24
